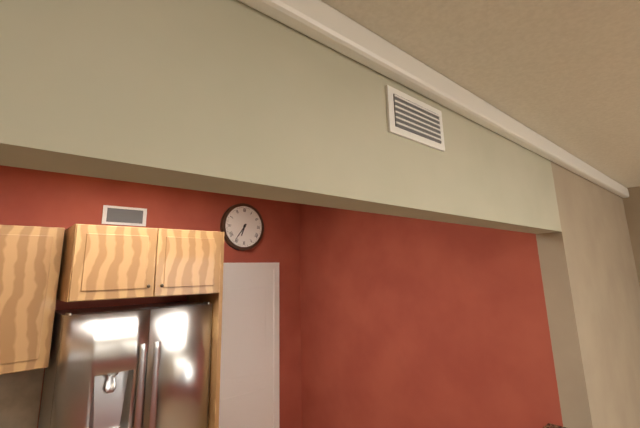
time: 6:36
